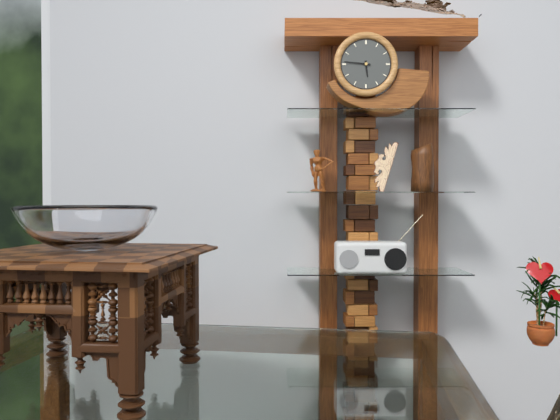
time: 5:46
